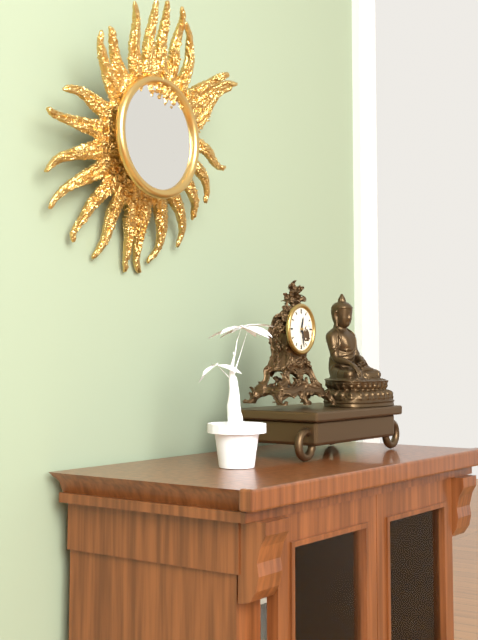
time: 12:28
